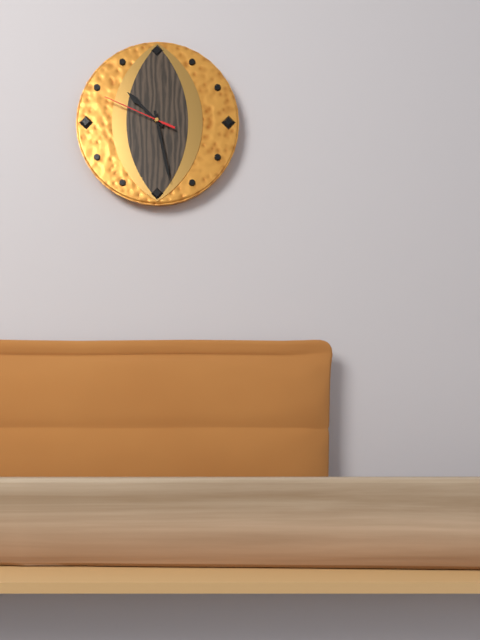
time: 10:28:49
